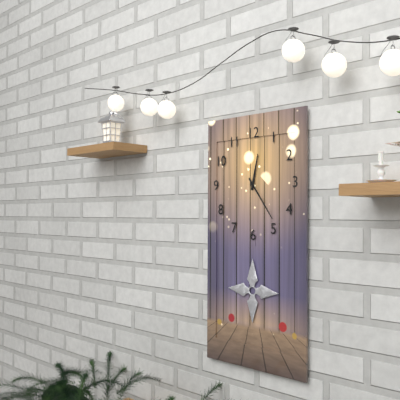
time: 12:24
